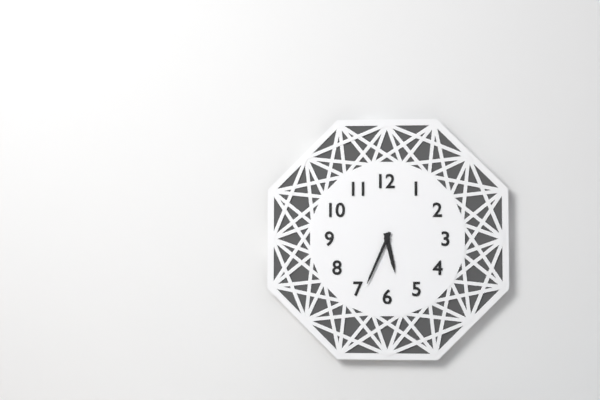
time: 5:34
